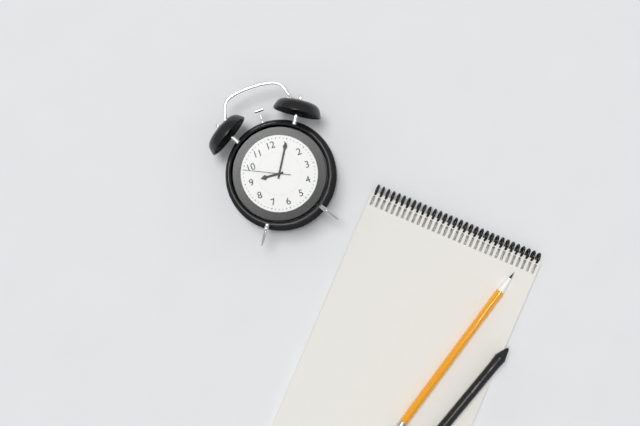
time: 9:05
